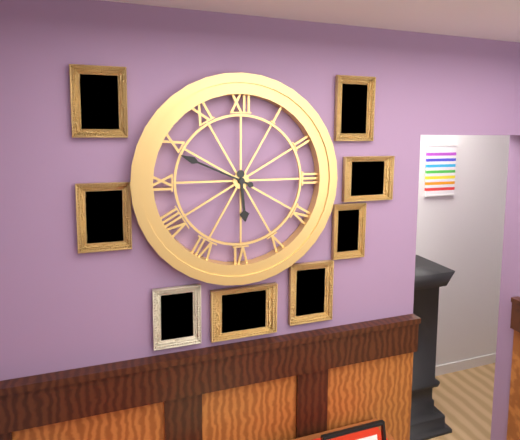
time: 5:49
